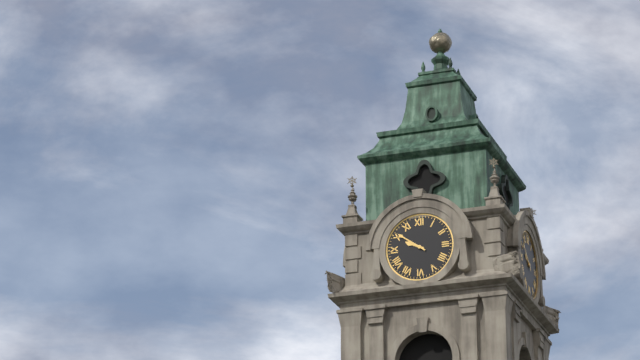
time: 9:51
